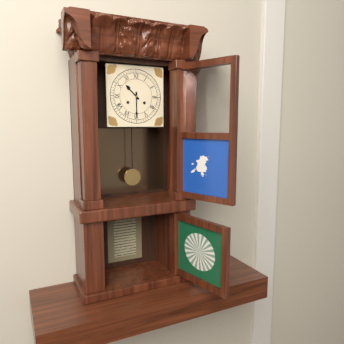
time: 10:30
